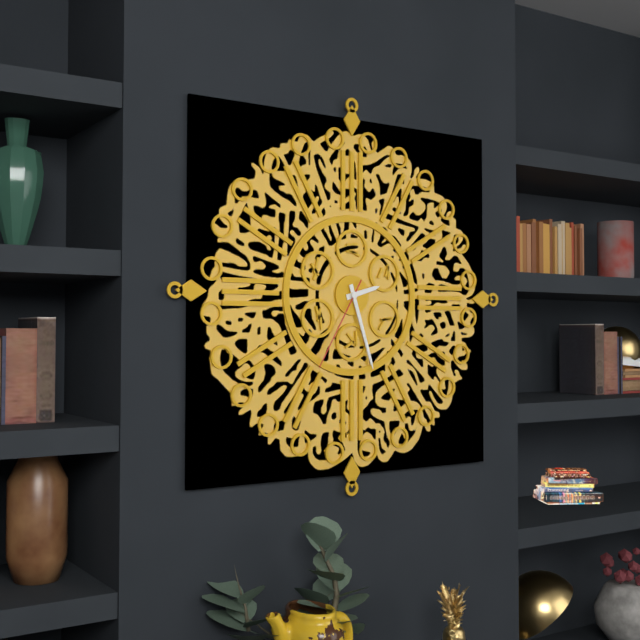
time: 2:27:35
